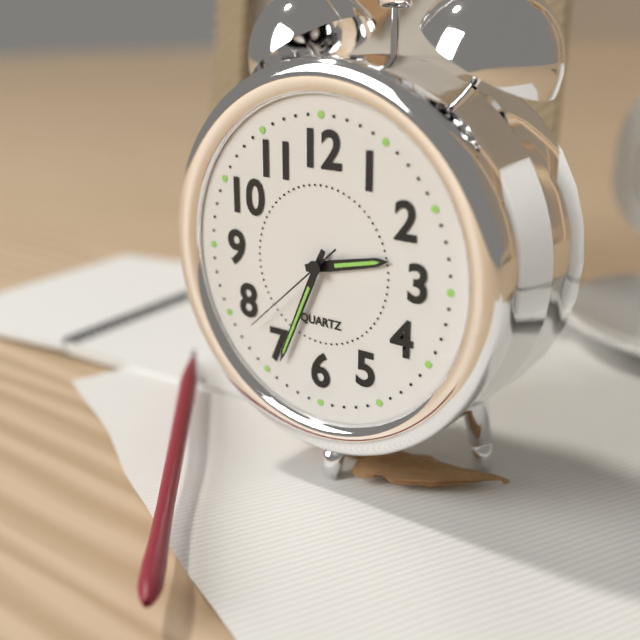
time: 2:34:38
